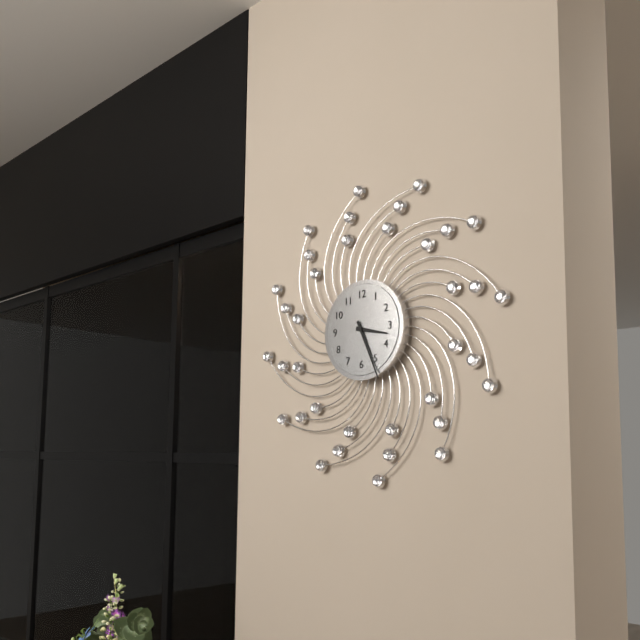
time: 3:26
